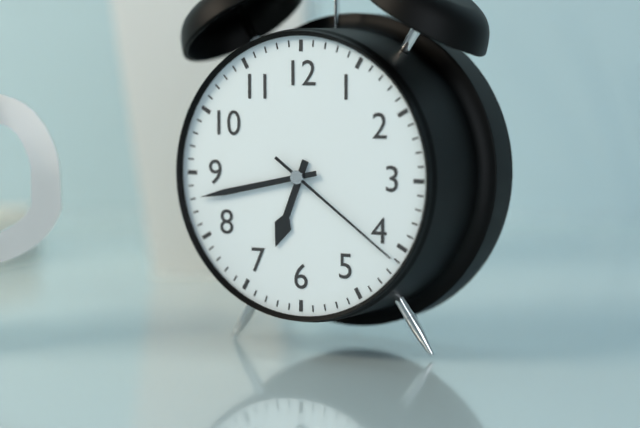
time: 6:43:21
